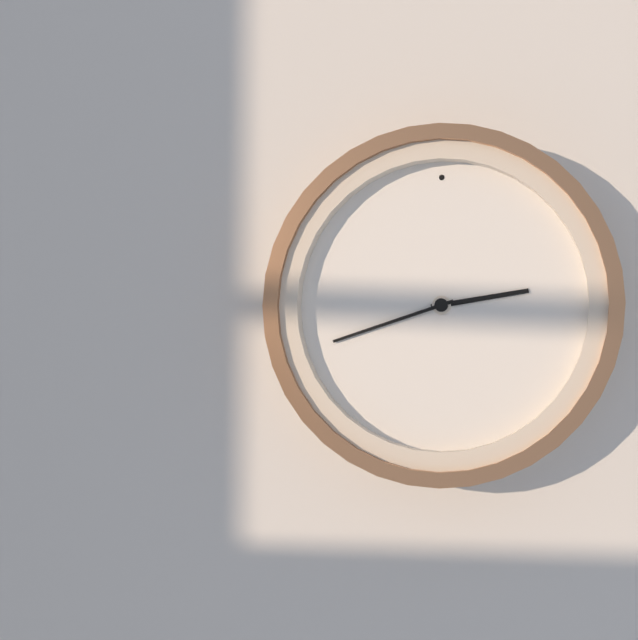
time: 2:42
